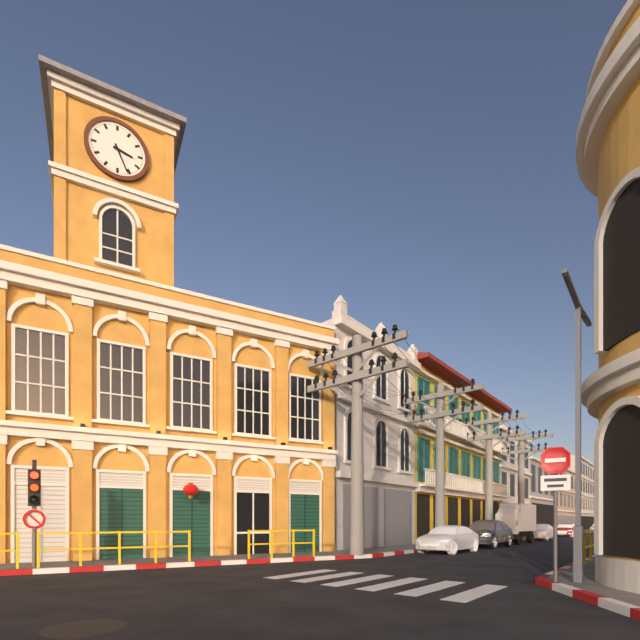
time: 3:26
